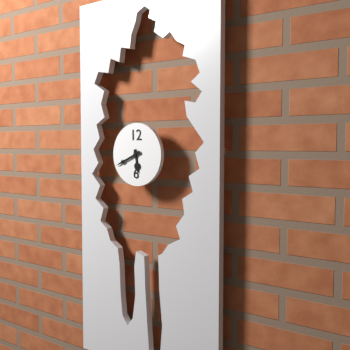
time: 5:41
